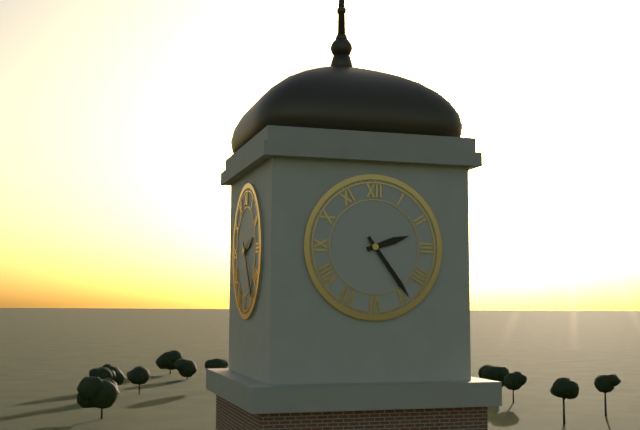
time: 2:24
